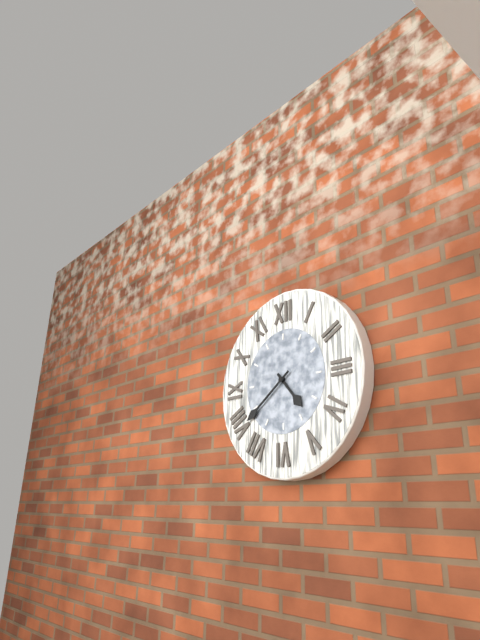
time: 4:39
